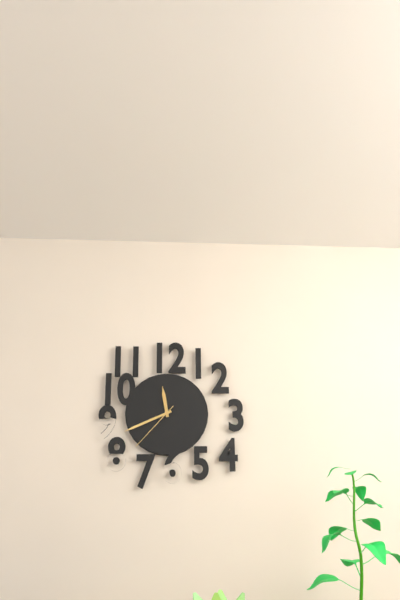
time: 11:41:37
